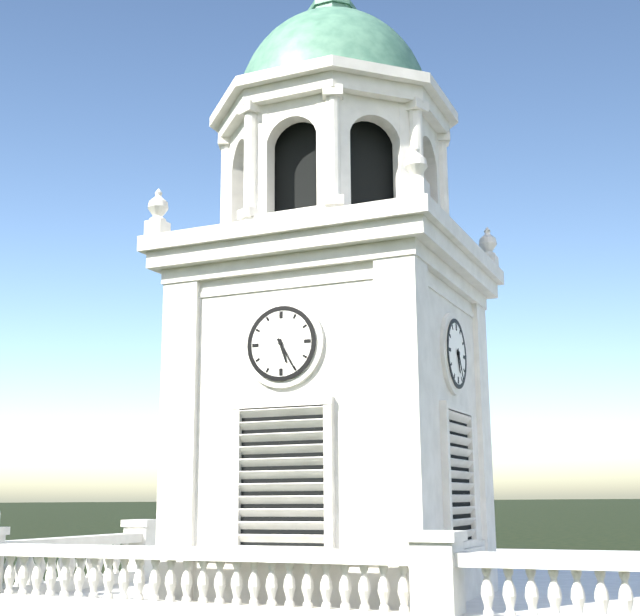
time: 5:25
